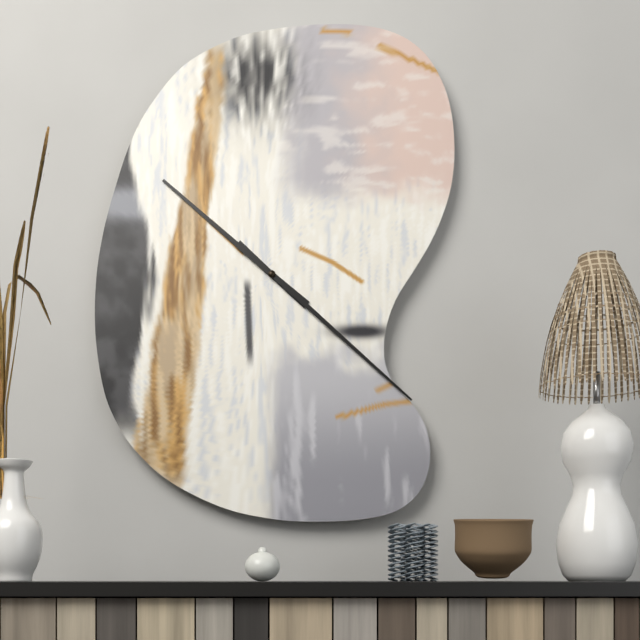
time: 10:22
